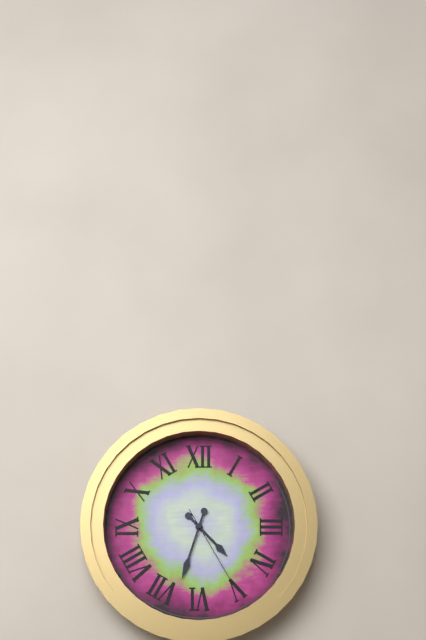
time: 4:33:25
